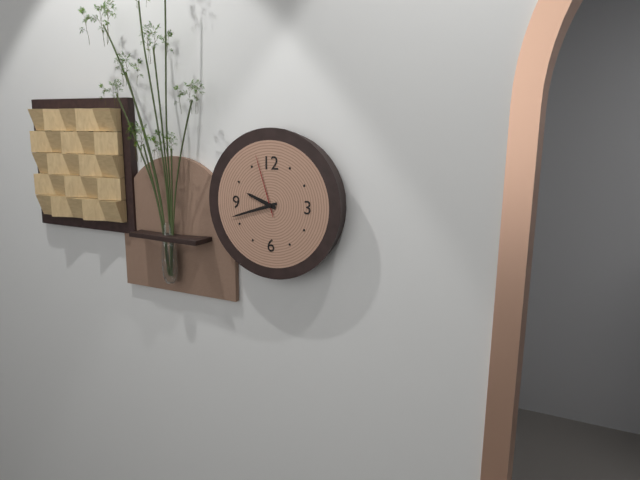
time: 9:42:57
